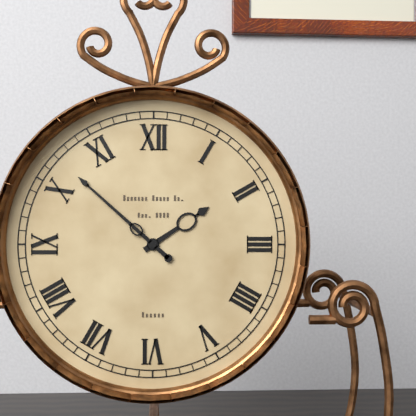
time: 1:52
